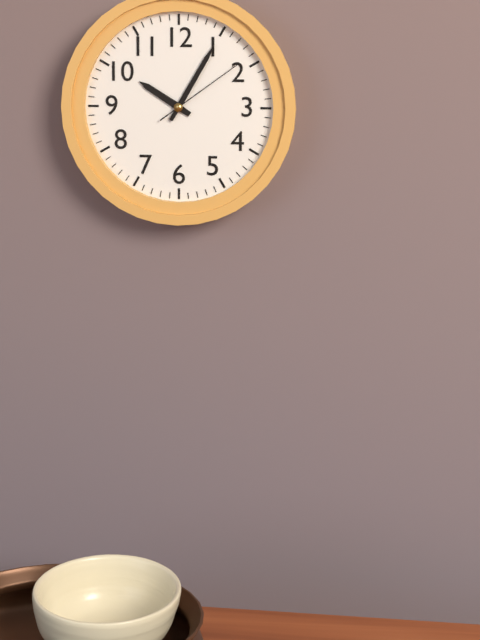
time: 10:05:09
